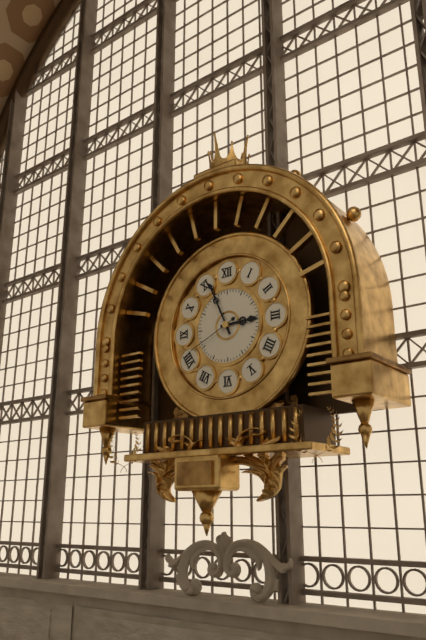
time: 2:56:41
